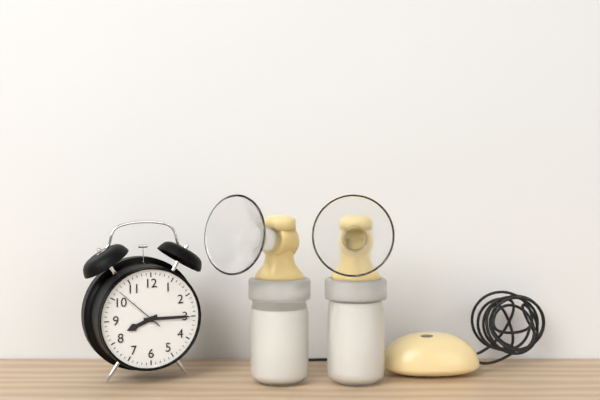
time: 8:15:52
